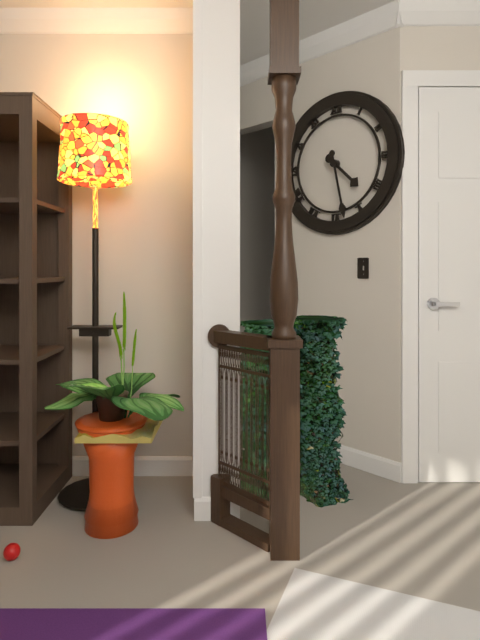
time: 4:28
